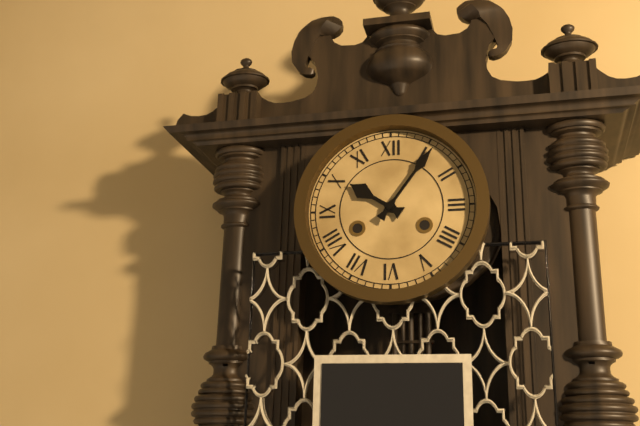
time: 10:06
